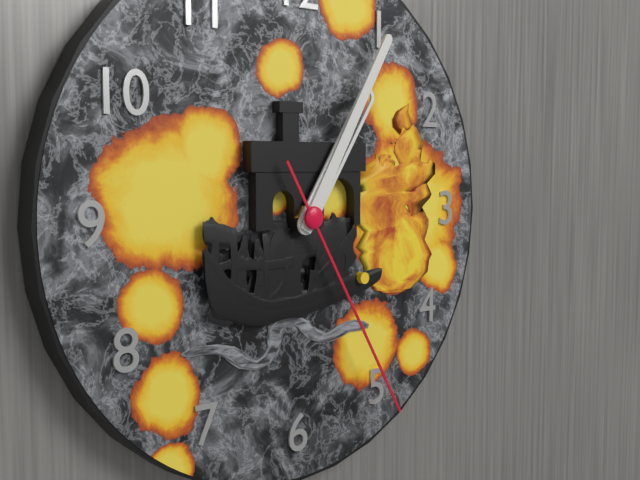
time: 1:05:25
